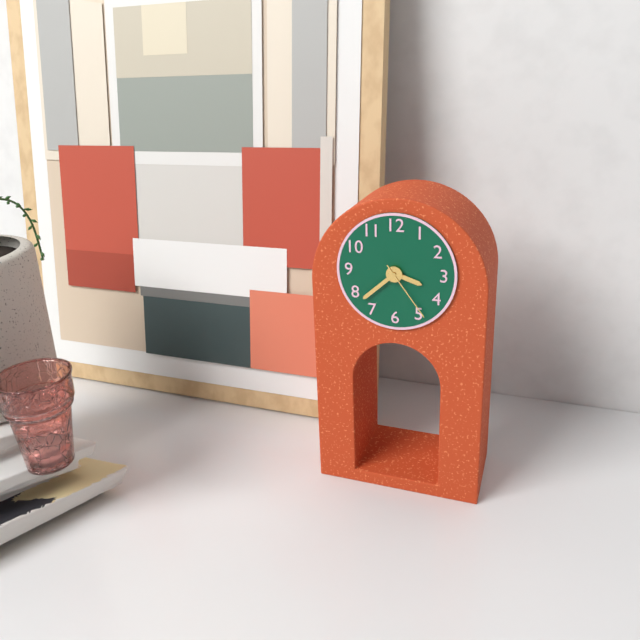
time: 3:38:24
